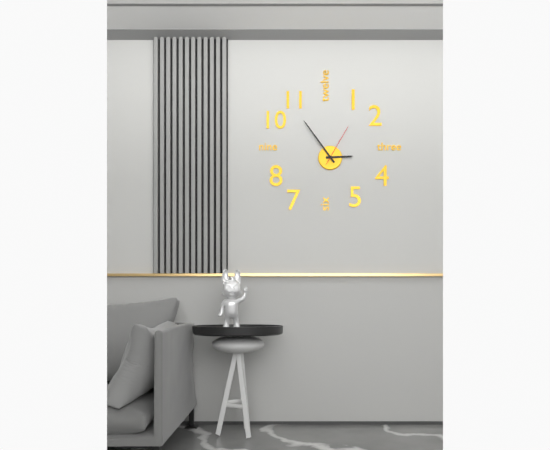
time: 2:54
